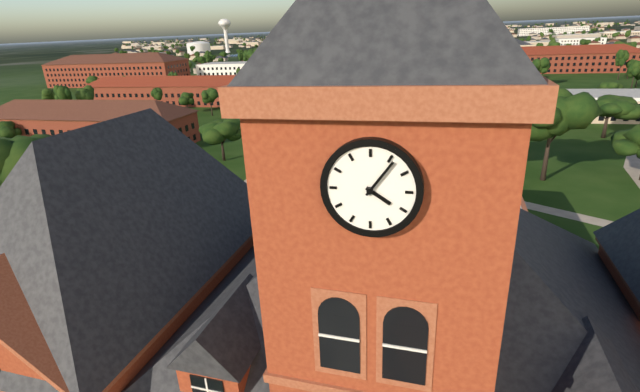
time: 4:06
